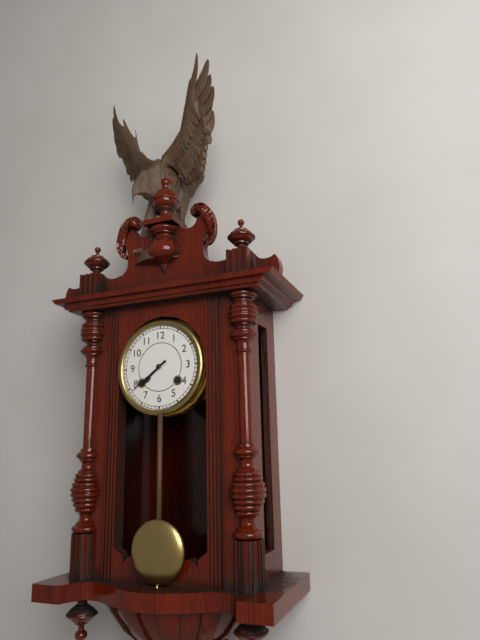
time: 7:39
